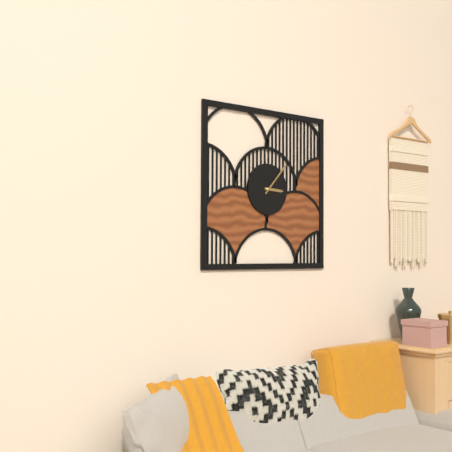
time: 3:07
